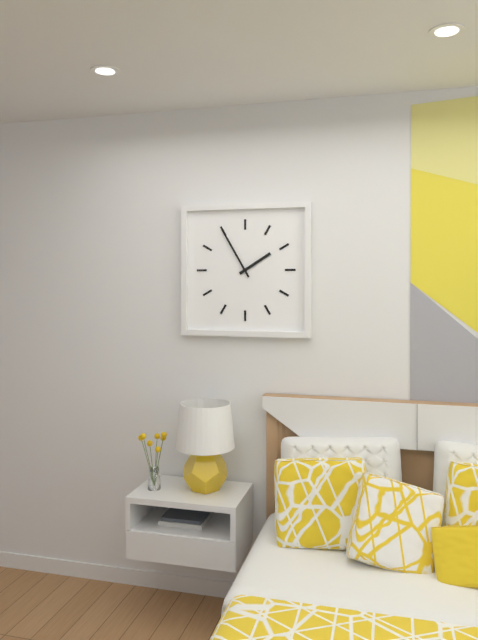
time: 1:55
